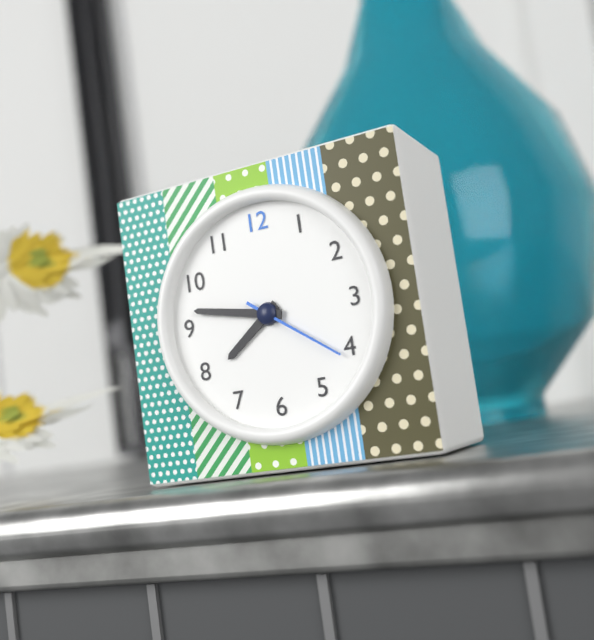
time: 7:47:21
